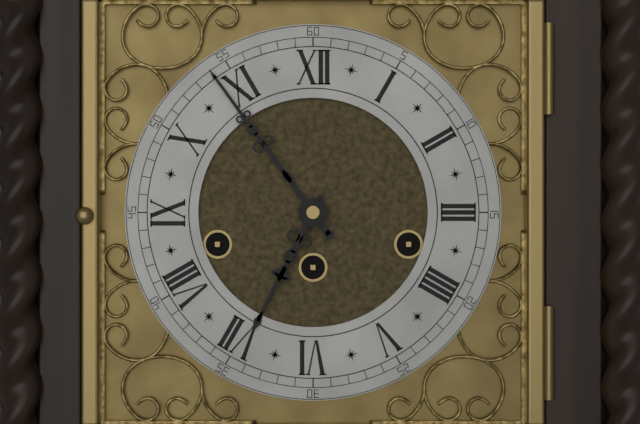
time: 6:54
